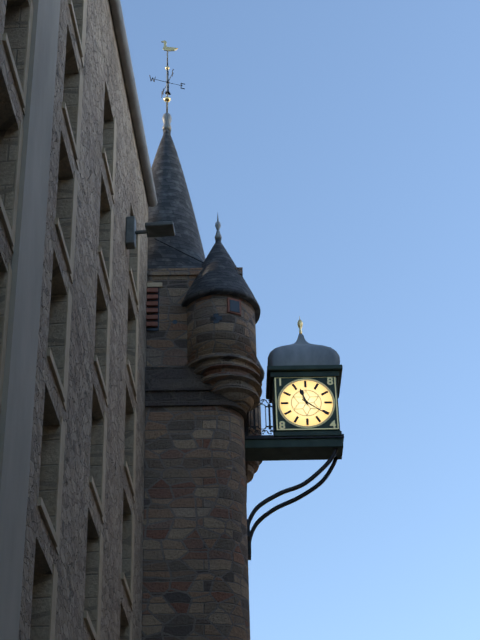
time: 11:21
